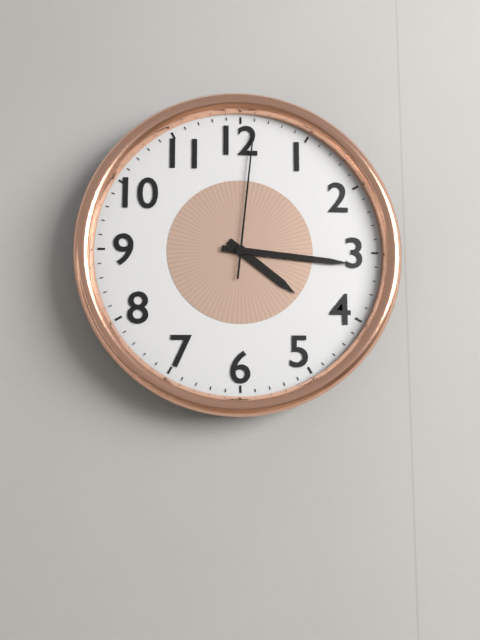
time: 4:16:01
